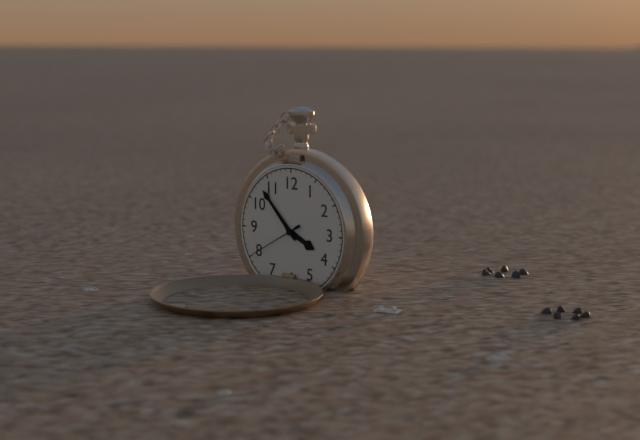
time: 3:53:40
